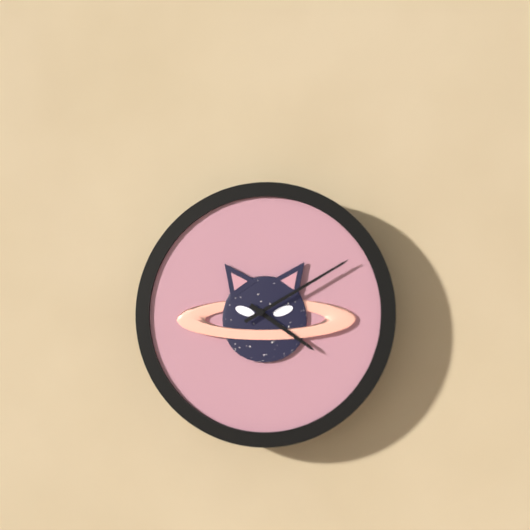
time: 4:10
